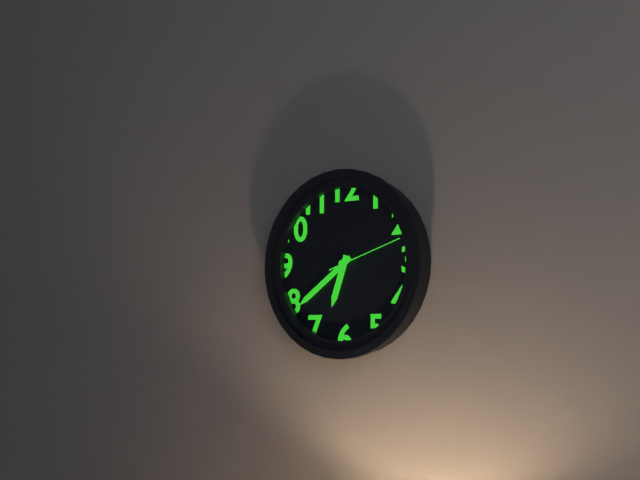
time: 6:39:12
